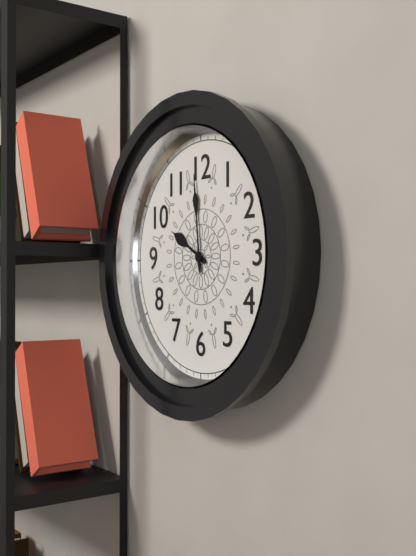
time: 9:59
